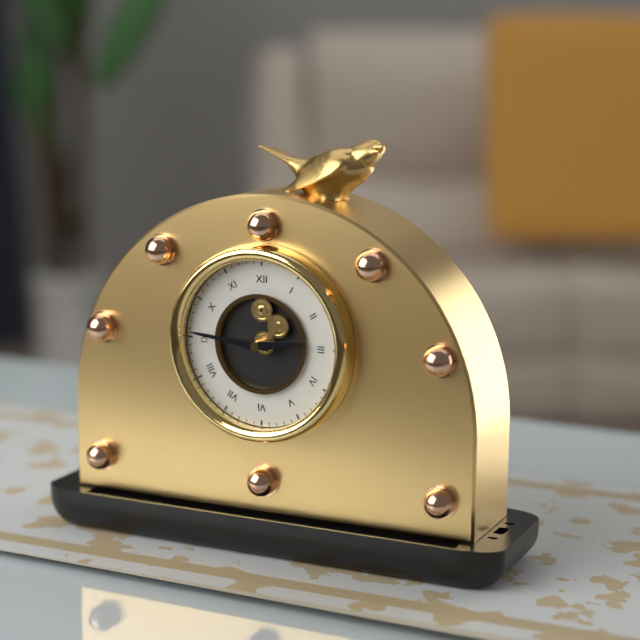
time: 2:46
